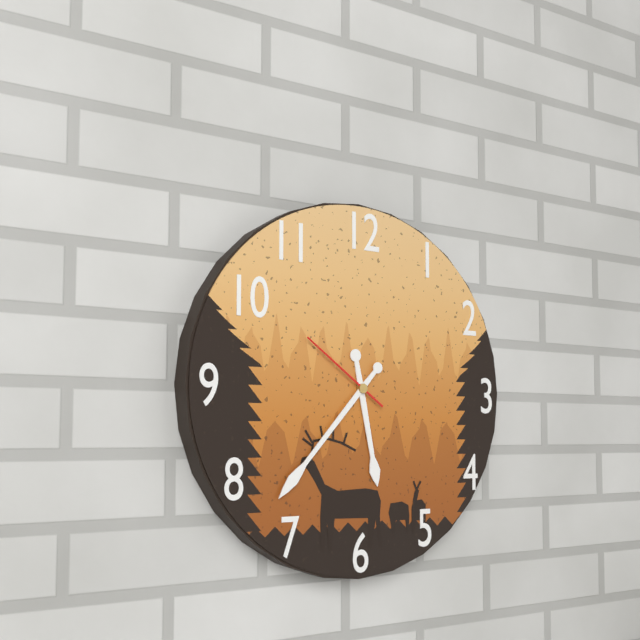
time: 5:37:51
